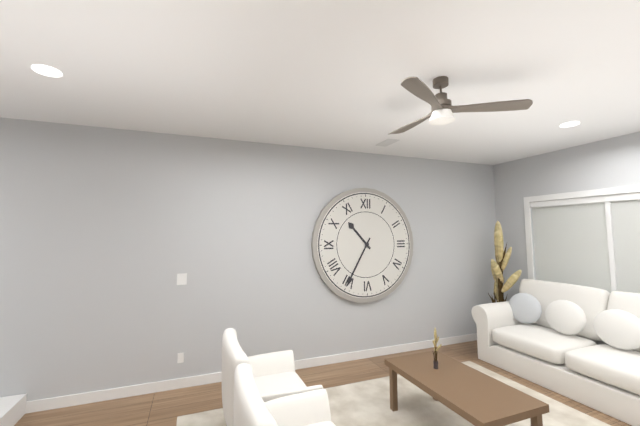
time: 10:35
